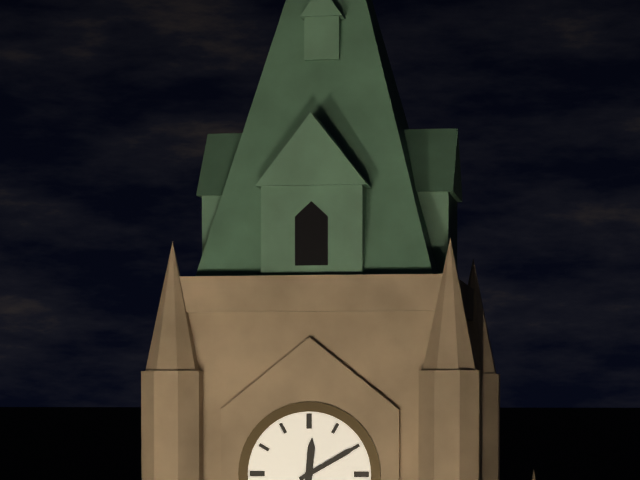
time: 12:10
